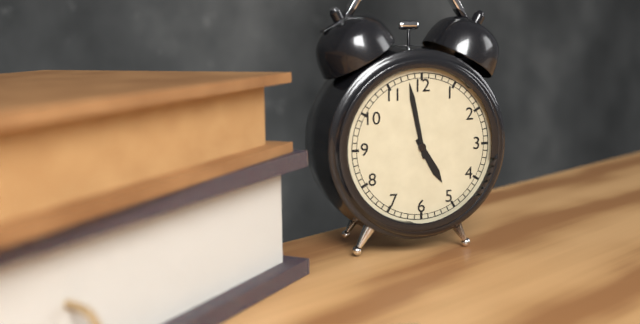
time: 4:58
